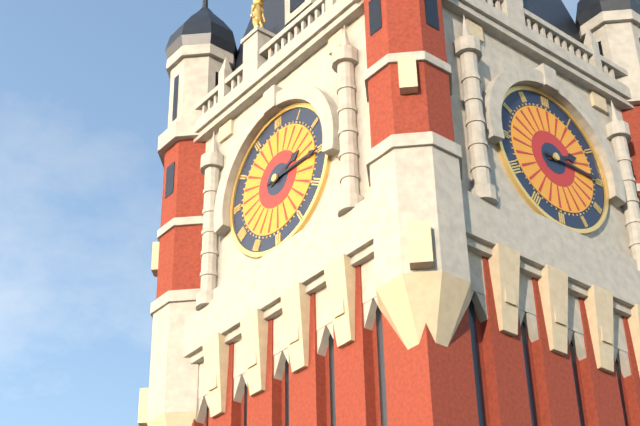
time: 2:15
